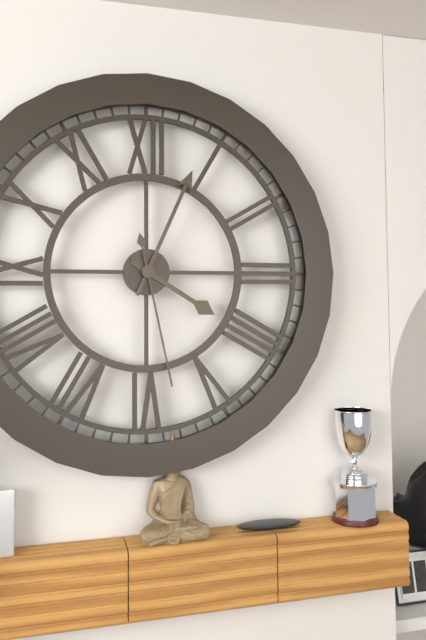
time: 4:04:28
